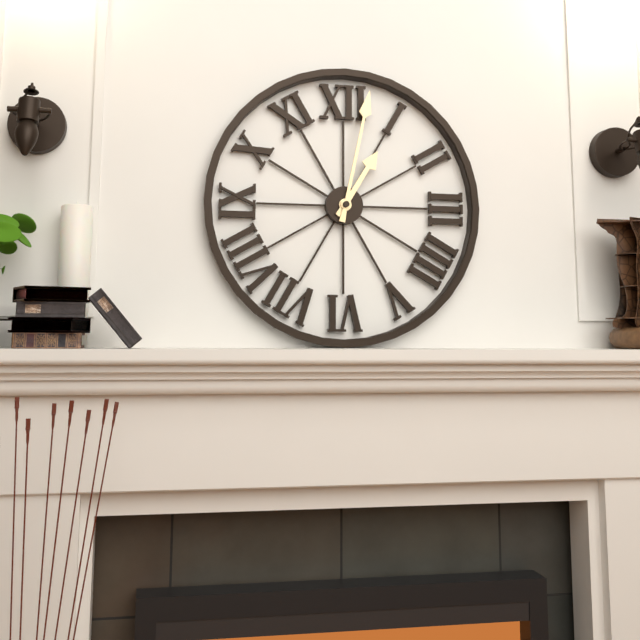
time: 1:02
